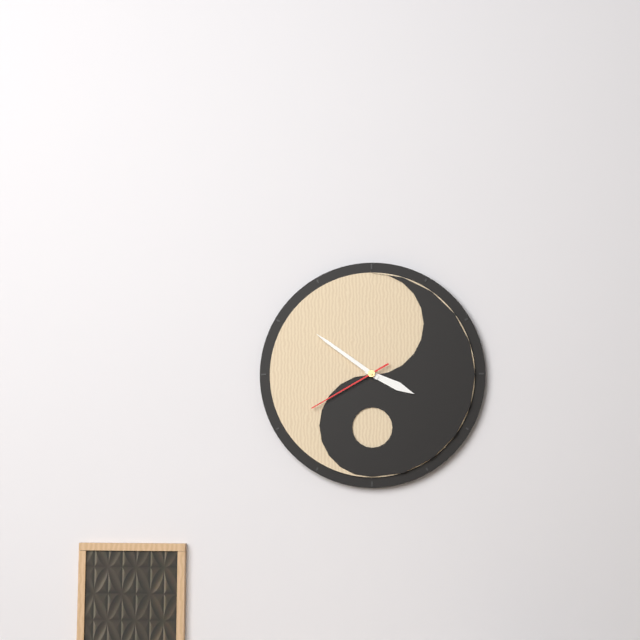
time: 3:51:40
